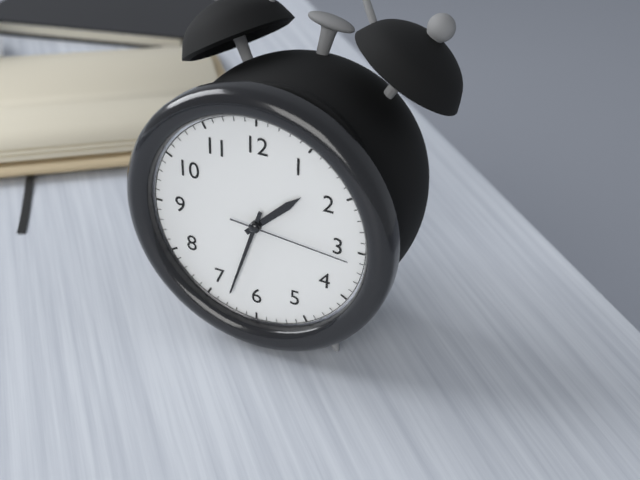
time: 1:33:16
